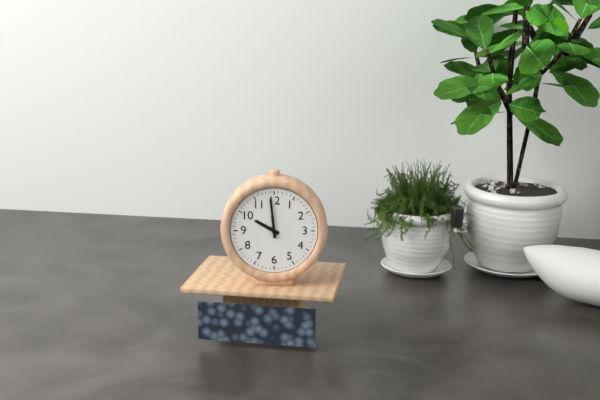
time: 9:59
